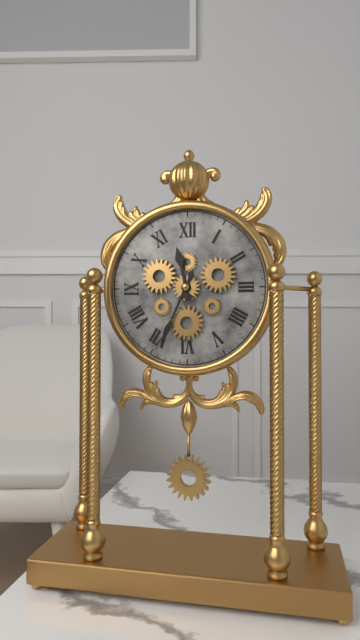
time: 11:34
